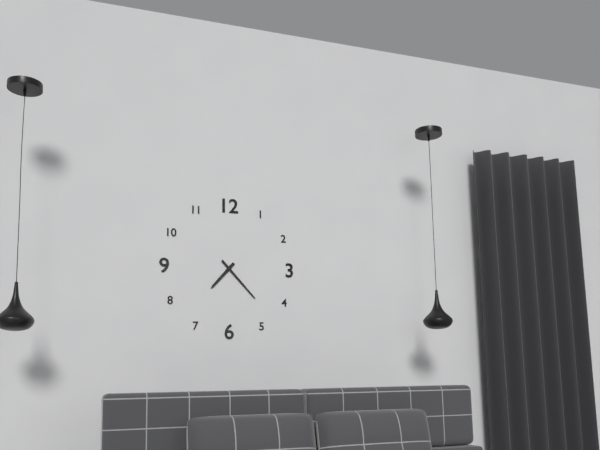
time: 7:23
